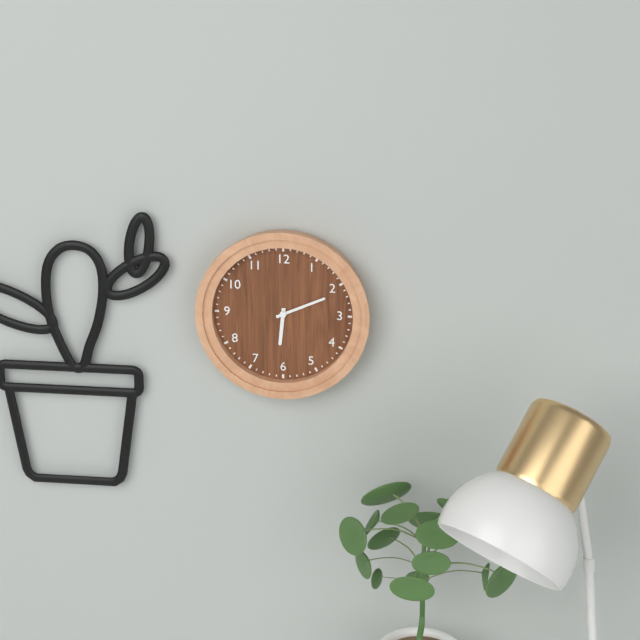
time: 6:11
